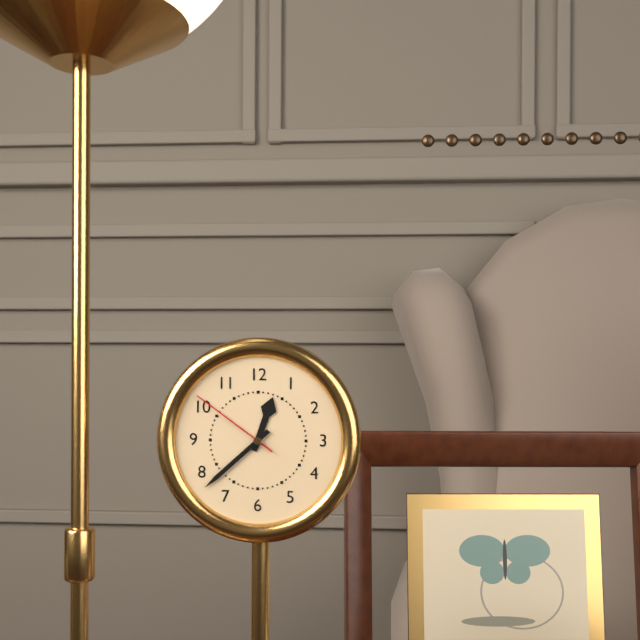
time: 12:38:51
